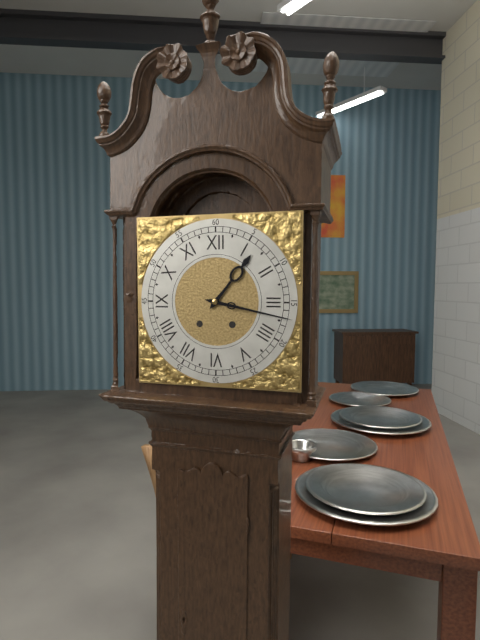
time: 1:17
